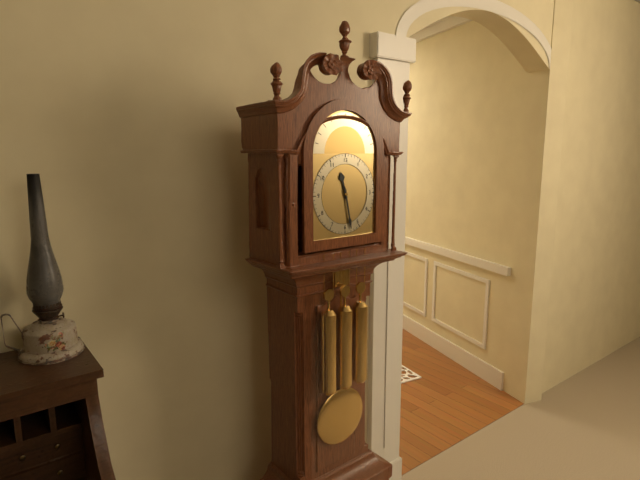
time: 11:28
